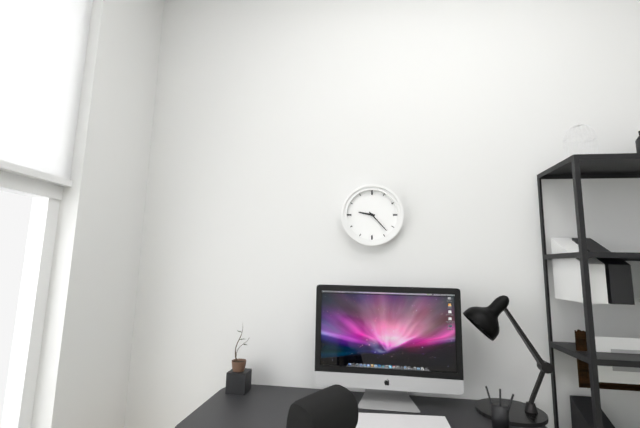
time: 9:23
